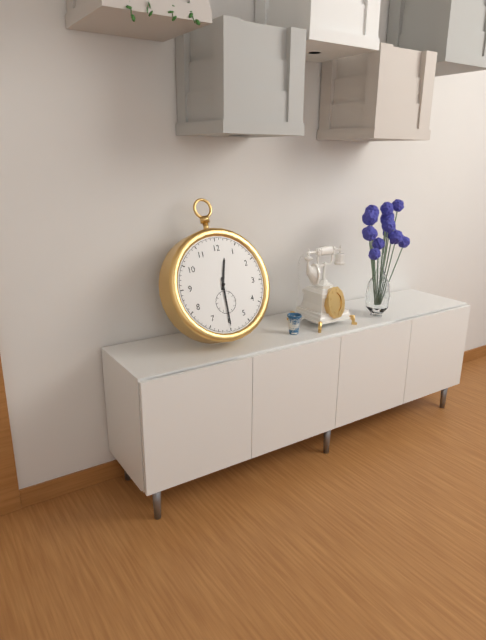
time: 12:30
